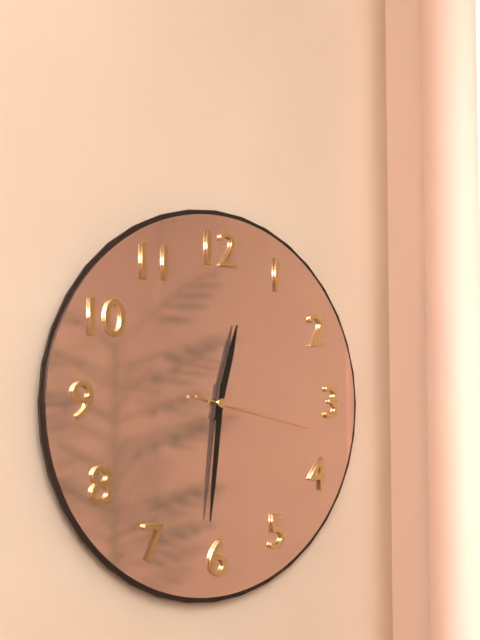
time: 12:31:17
